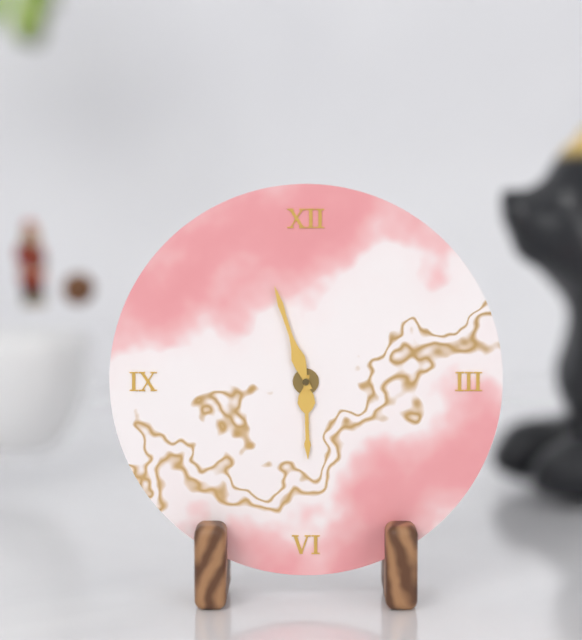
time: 5:57
